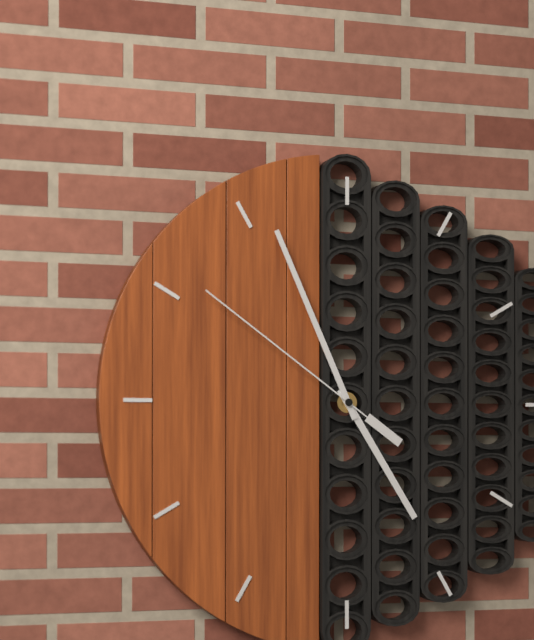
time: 4:56:51
